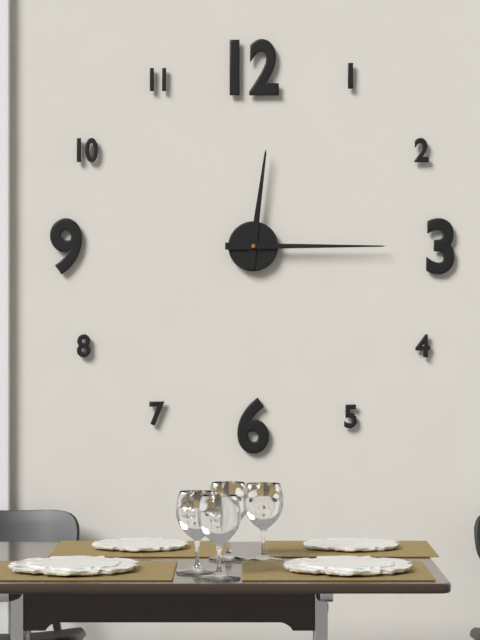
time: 12:15
